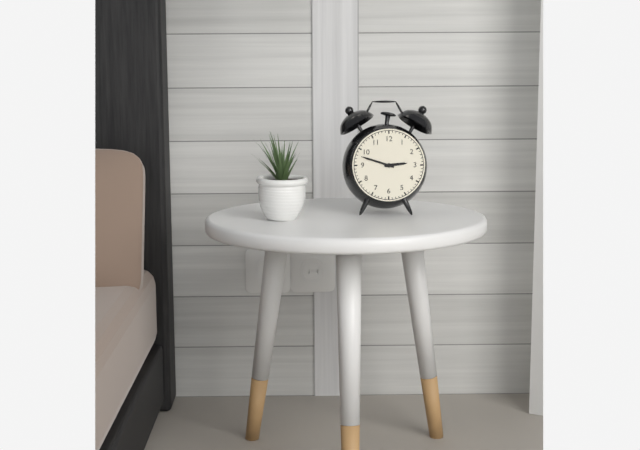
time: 2:48
